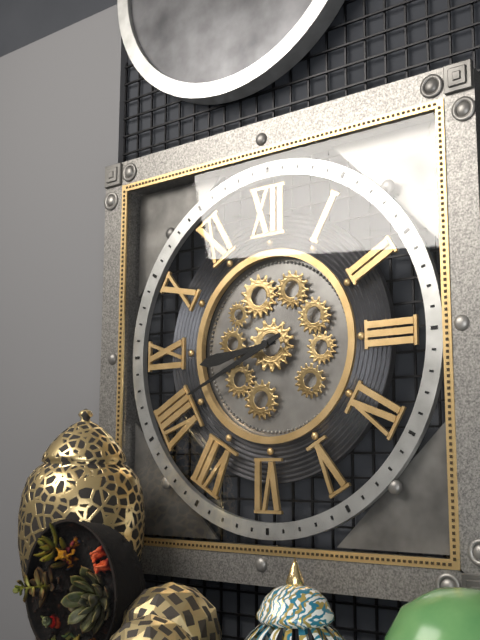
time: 8:41
